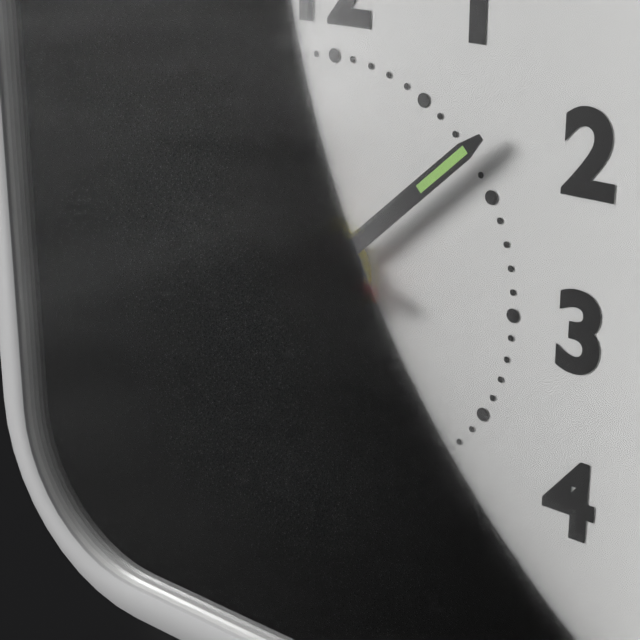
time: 6:08:46
